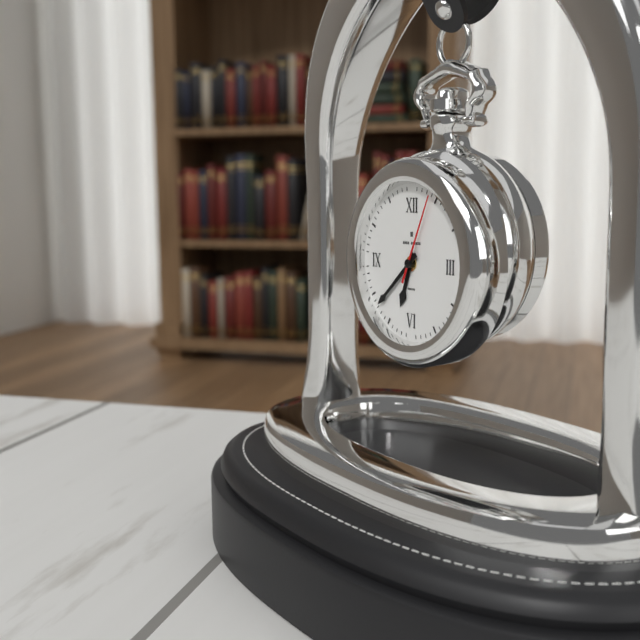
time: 6:38:04
